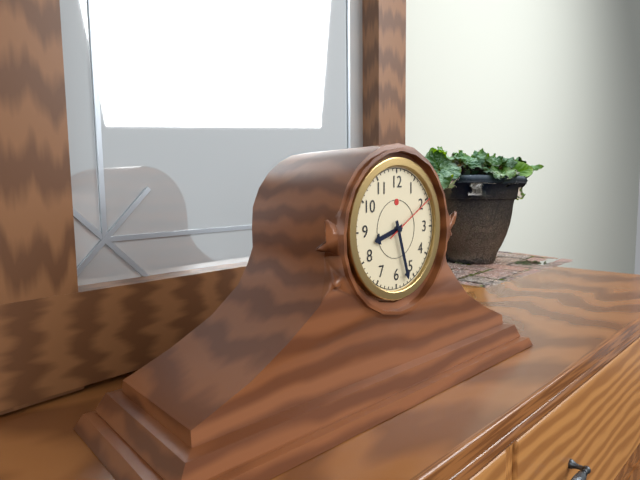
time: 8:27:10
